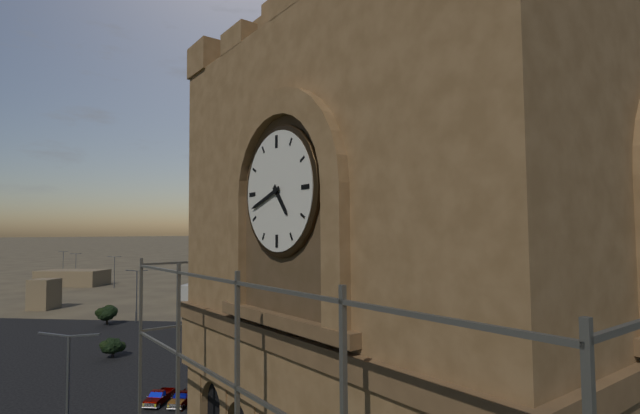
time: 4:42
